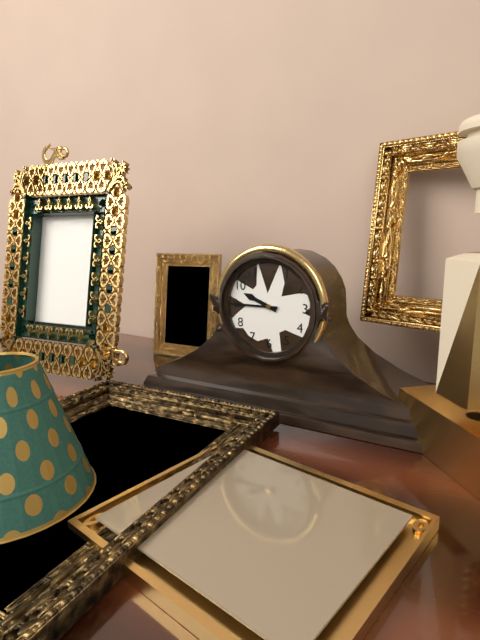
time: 9:45
